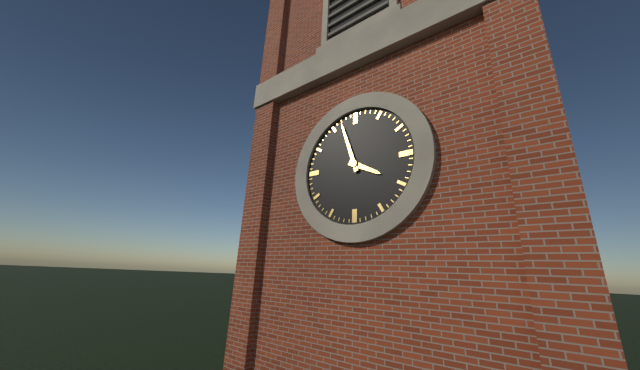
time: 3:57
